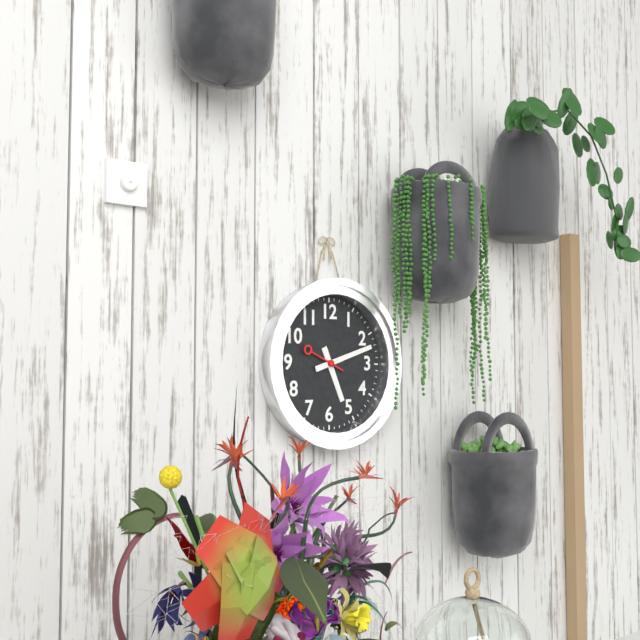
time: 5:12
